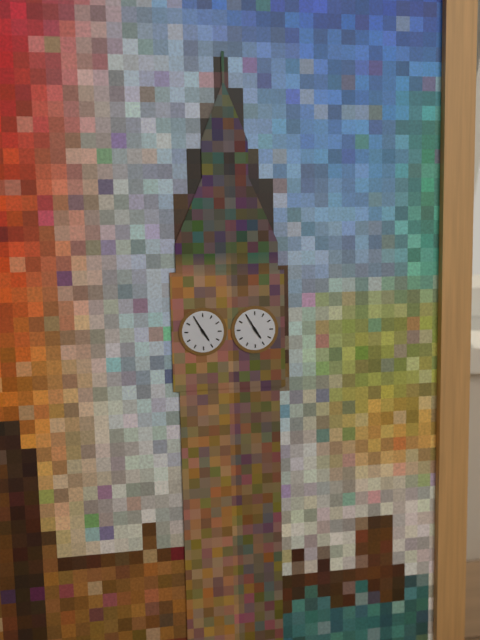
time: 4:55
